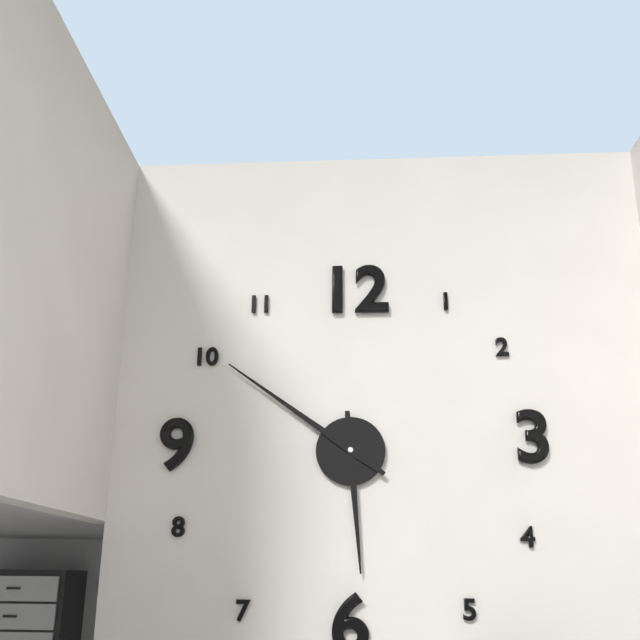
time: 5:51
